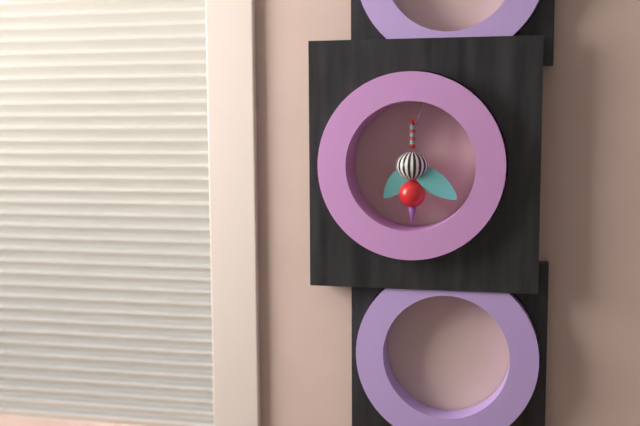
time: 7:21
